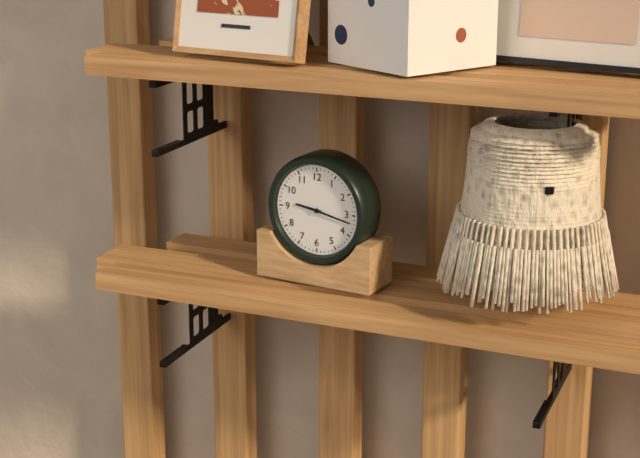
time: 9:17
